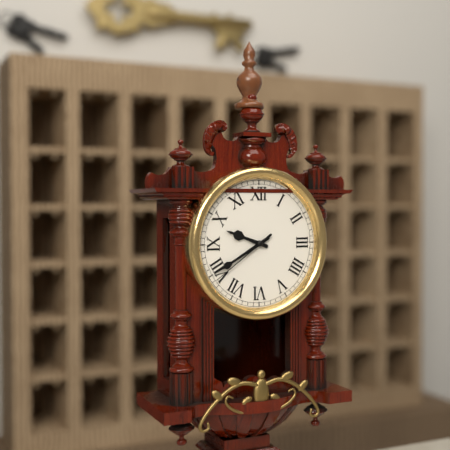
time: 9:40:39
